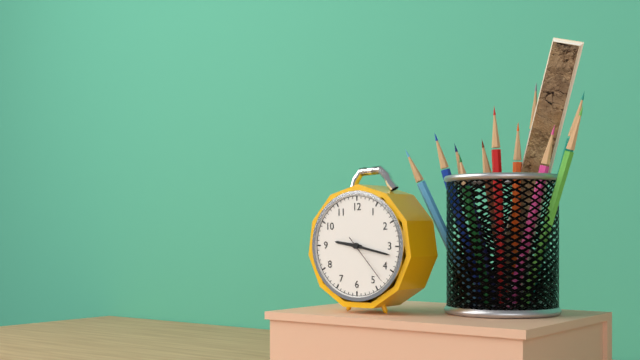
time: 9:17:23
